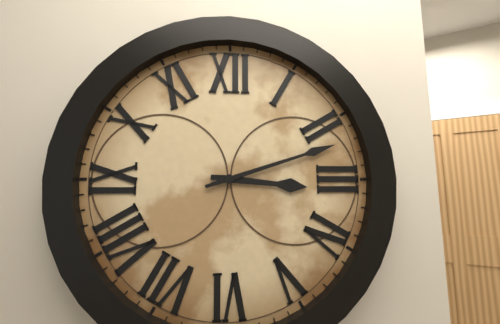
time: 3:12
